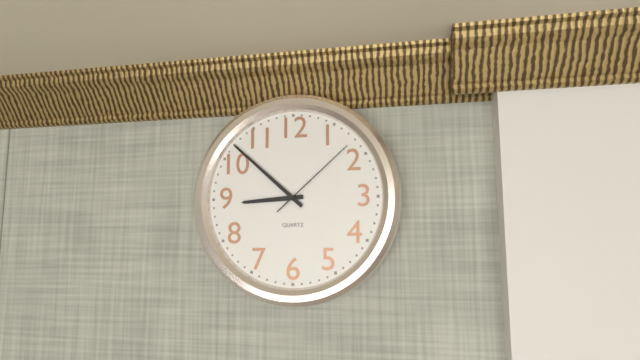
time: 8:52:08
